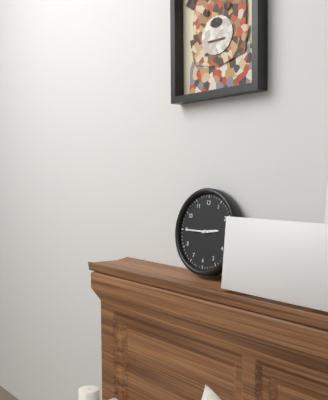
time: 2:45
